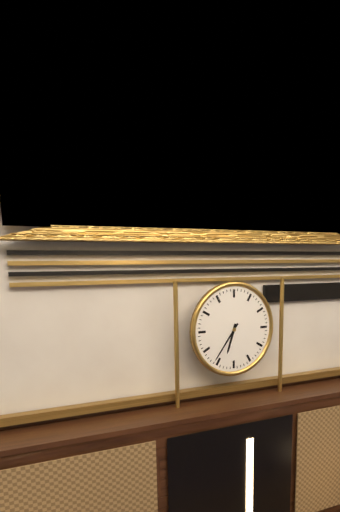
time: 6:36
